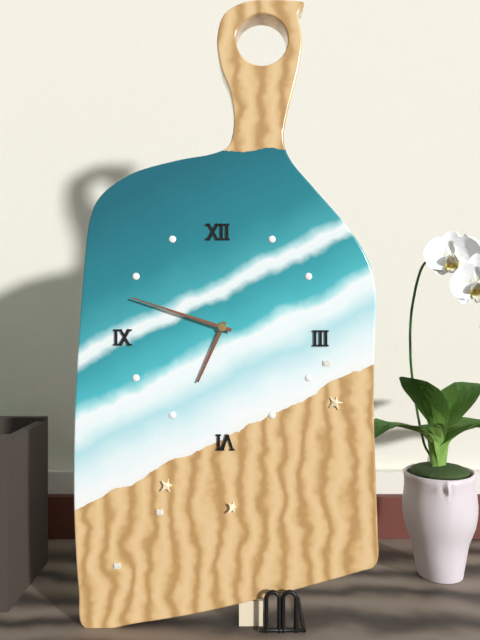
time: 6:48
